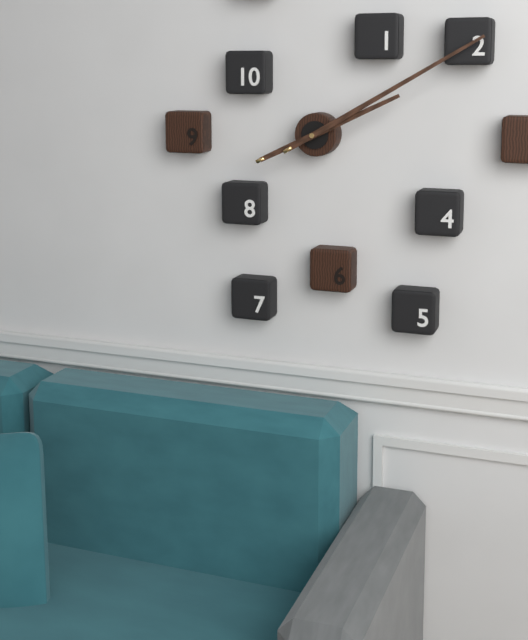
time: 2:10
